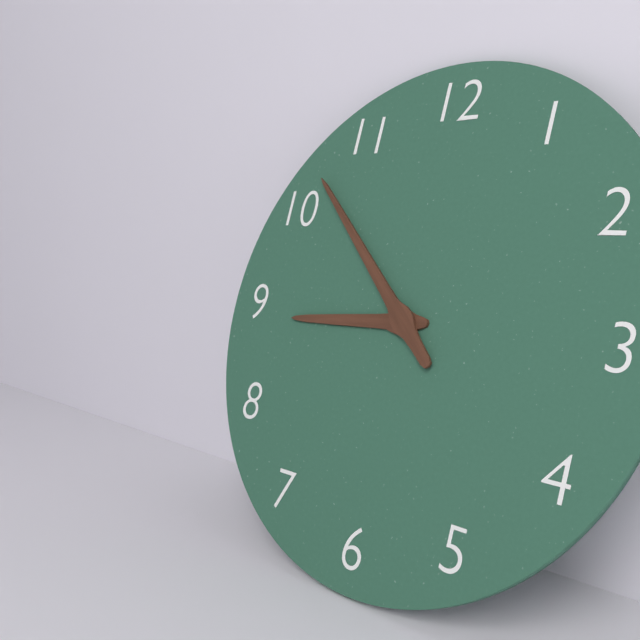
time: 8:52
